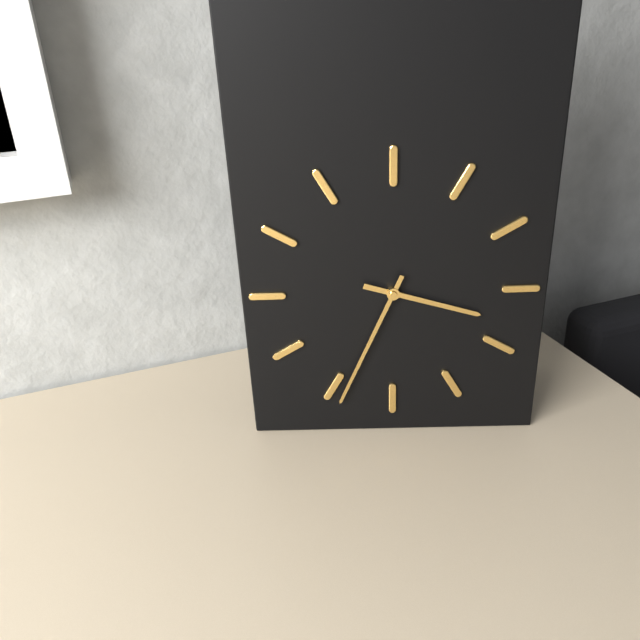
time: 3:34
